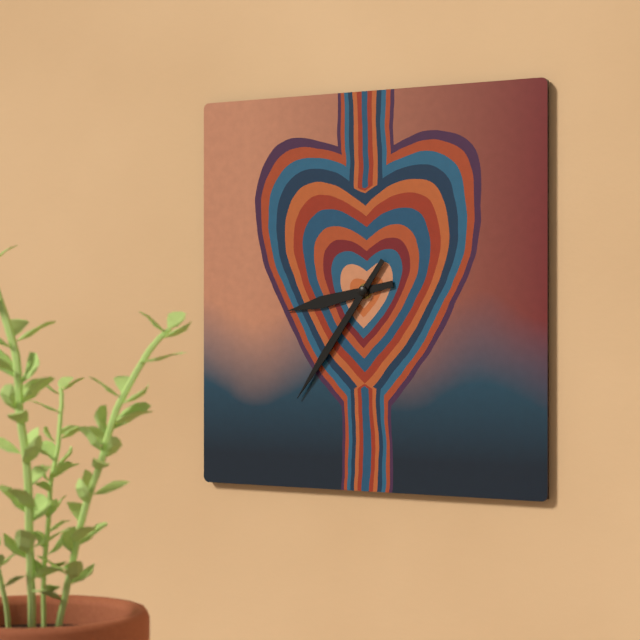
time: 8:36
